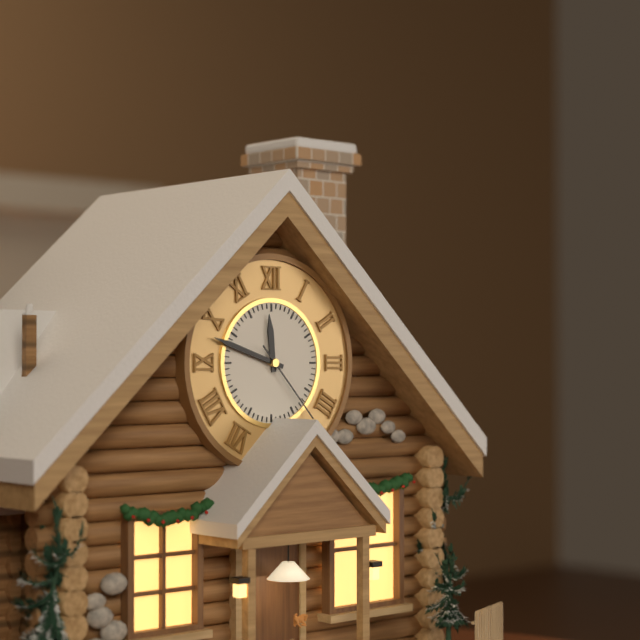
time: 11:48:23
